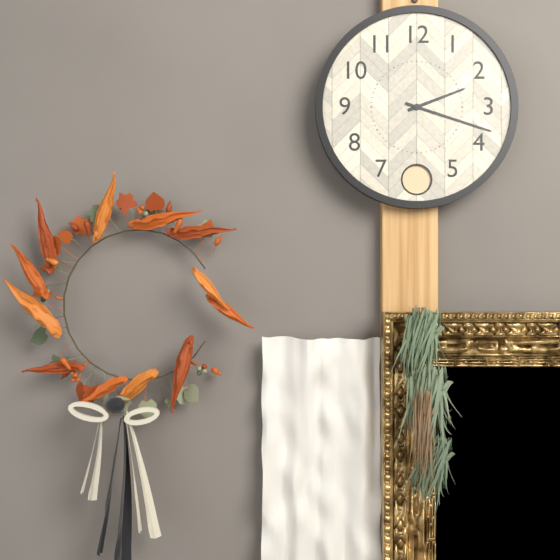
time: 2:18
